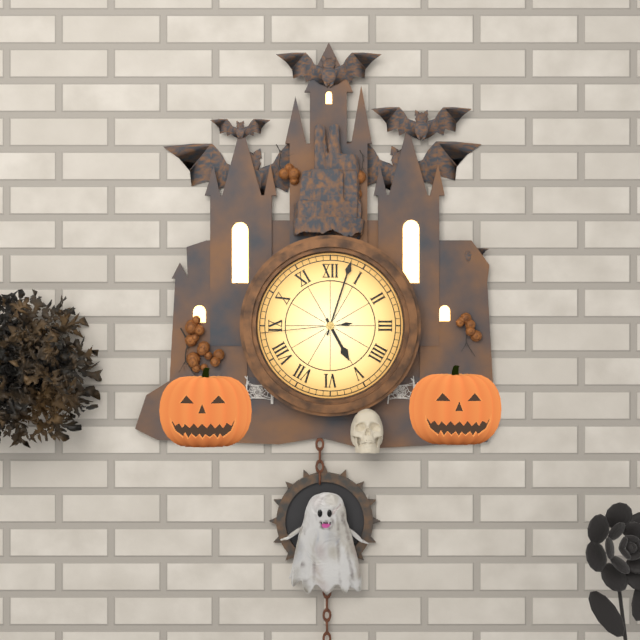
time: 5:03:44
